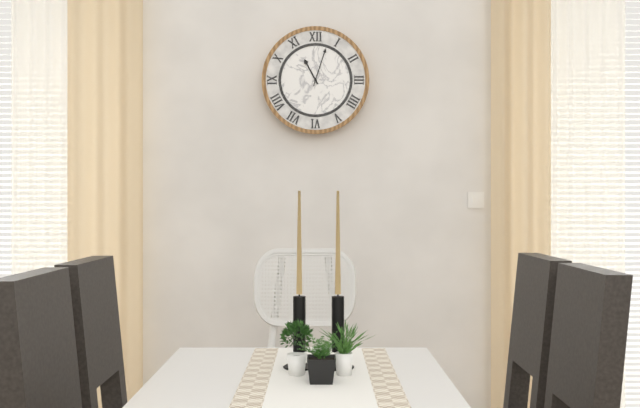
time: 11:03
